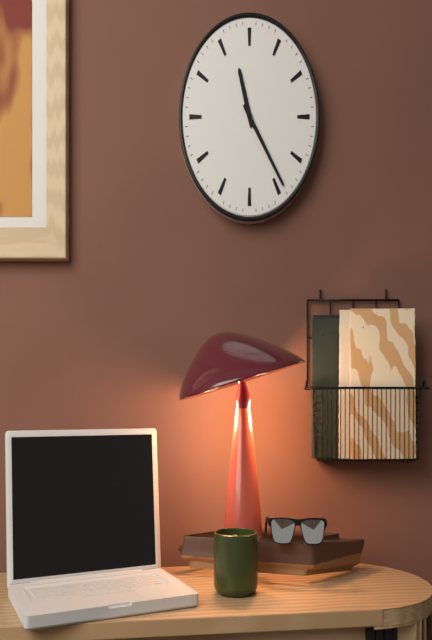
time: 11:24
